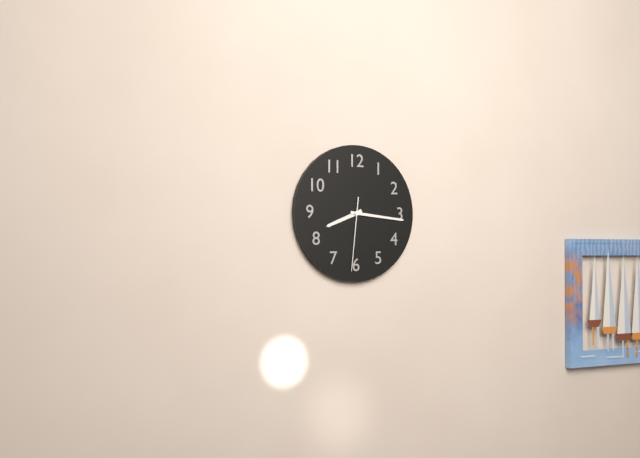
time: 8:16:31
